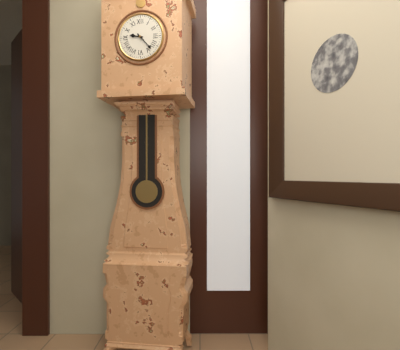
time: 9:23
